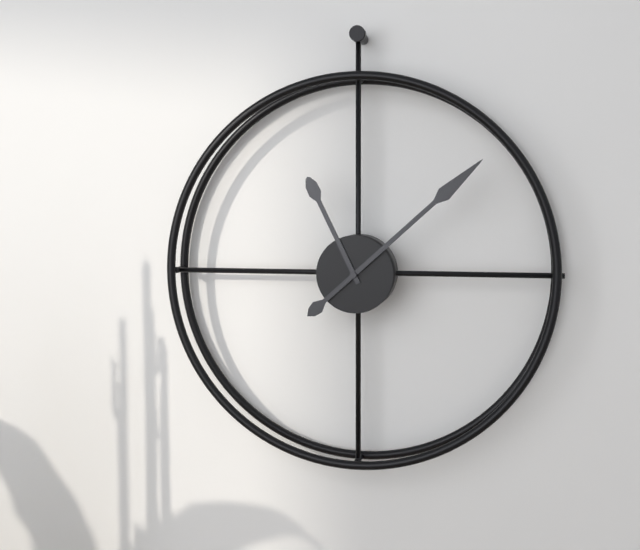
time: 11:08
